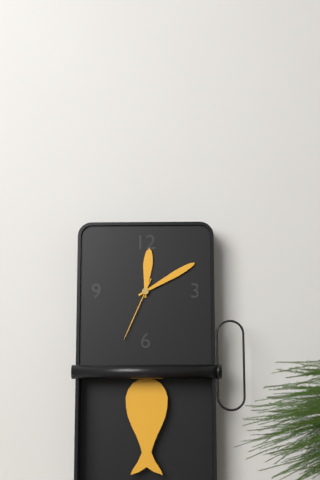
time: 12:10:34
